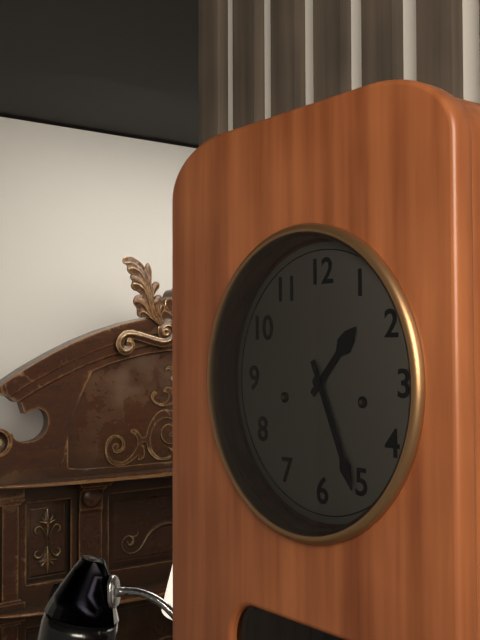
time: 1:26
